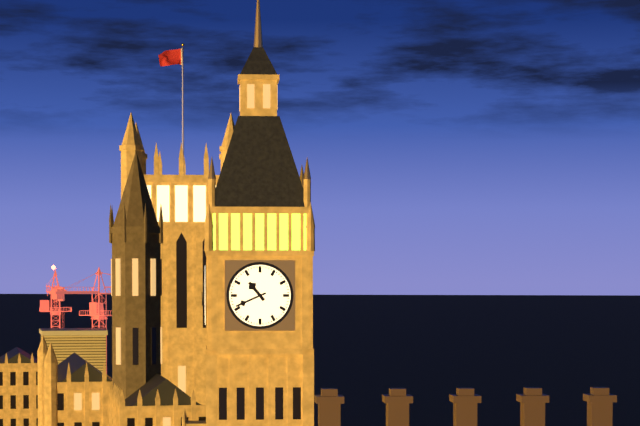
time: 10:41
